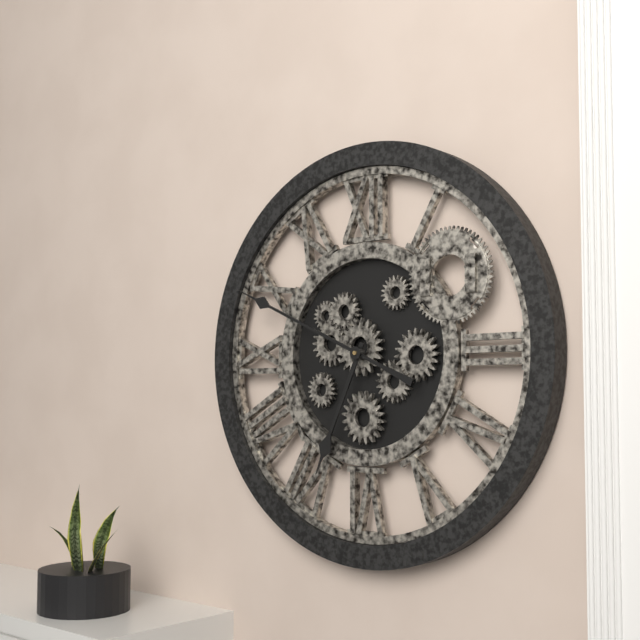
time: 6:49
